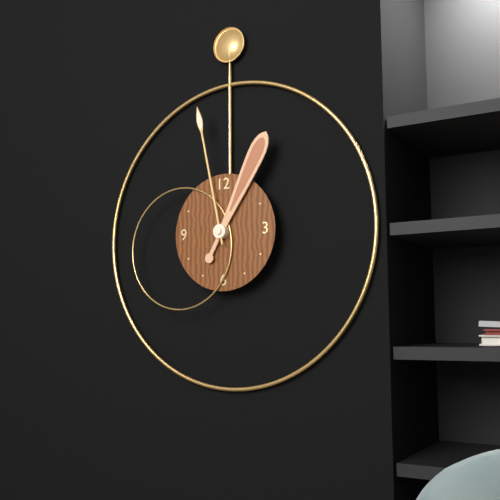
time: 12:58
